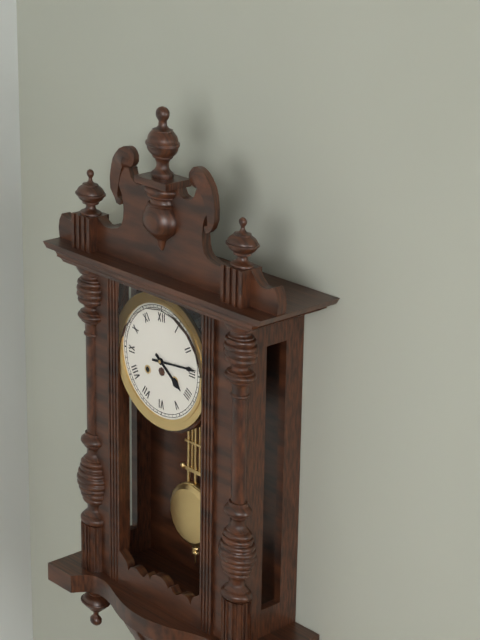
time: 4:14
